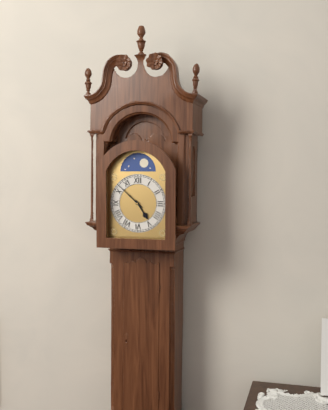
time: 4:52
